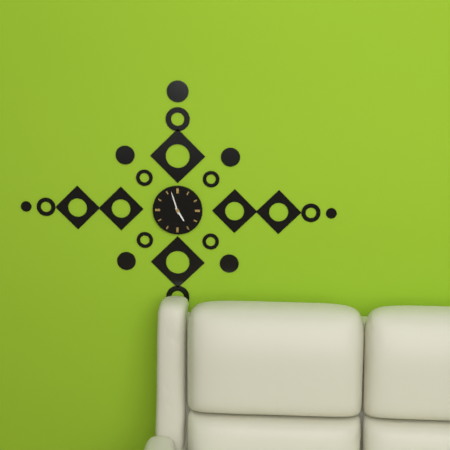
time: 4:57
